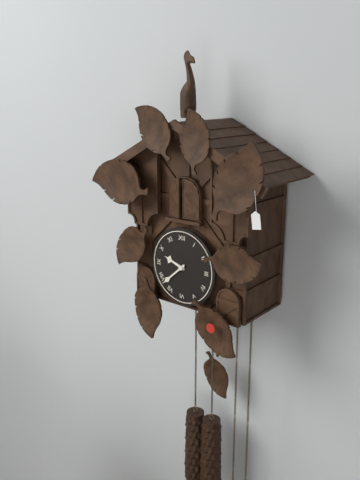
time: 9:38
